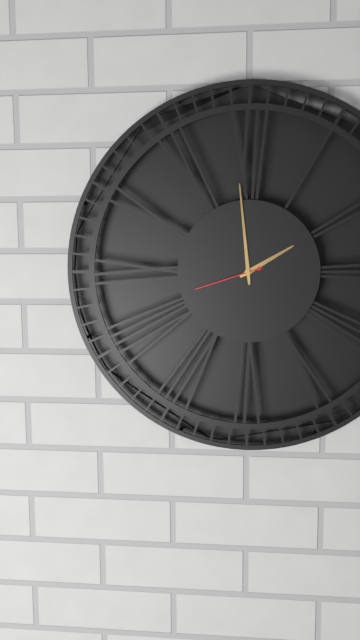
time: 1:59:42
